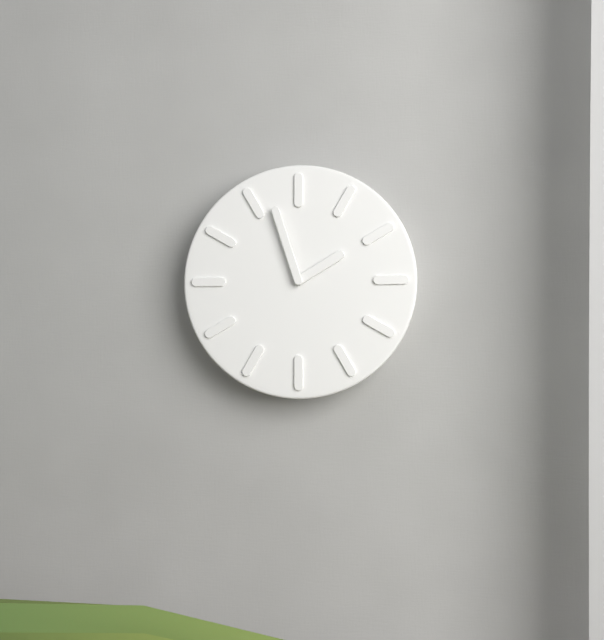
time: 1:57
